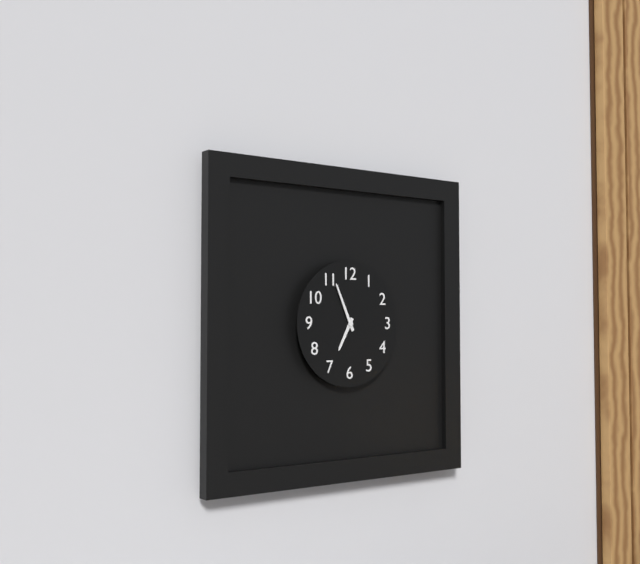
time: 6:56
